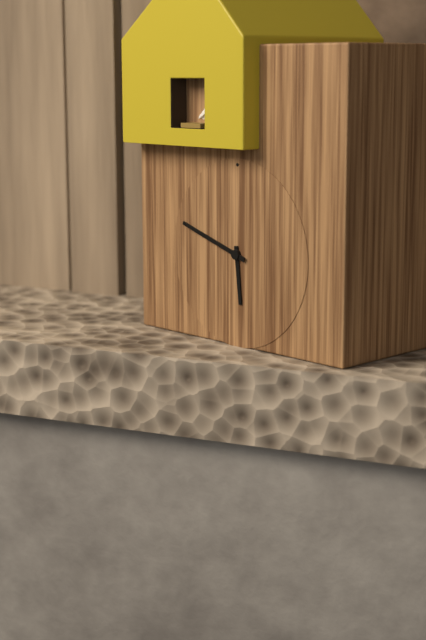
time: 5:48
